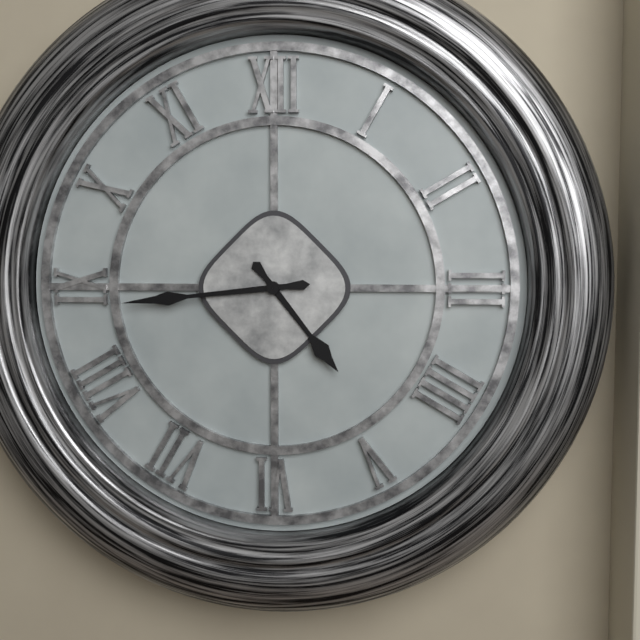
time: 4:44
